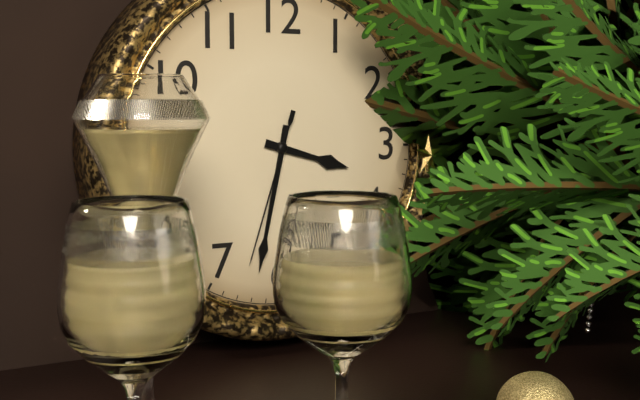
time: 3:32:33
